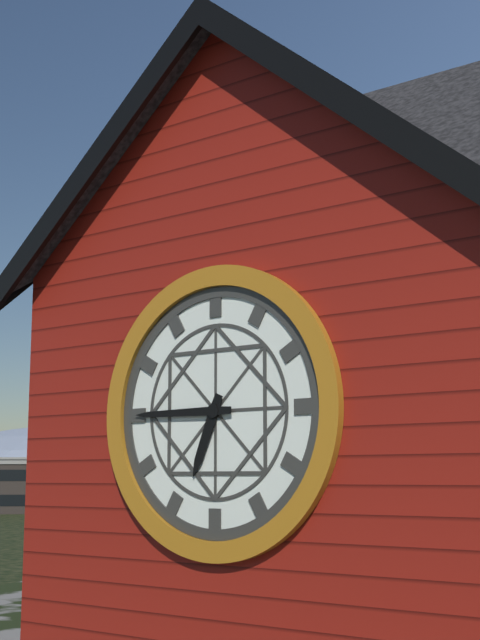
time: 6:45
